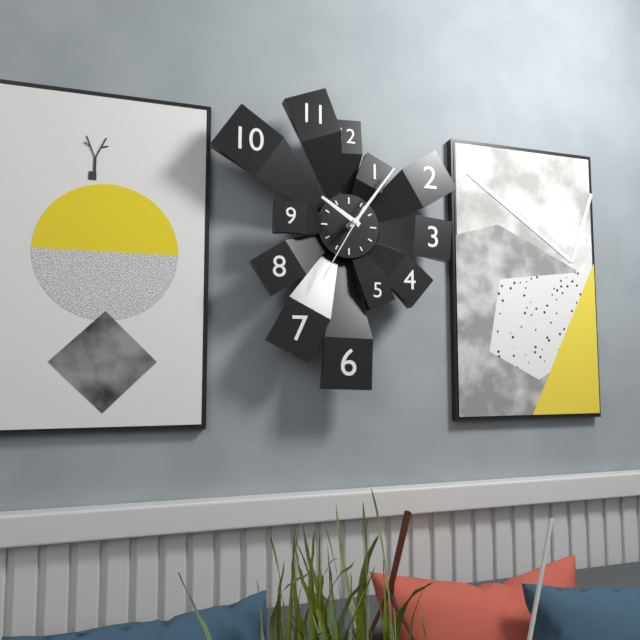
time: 10:06:35
